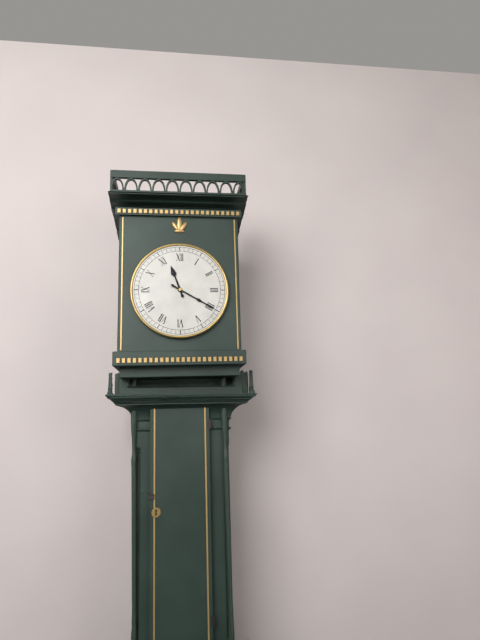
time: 11:20
